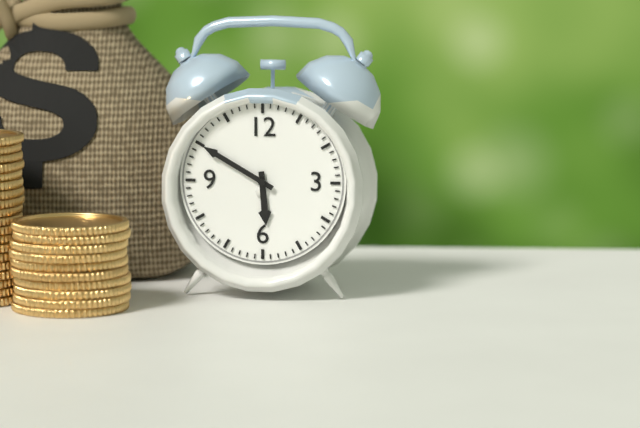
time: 5:50
